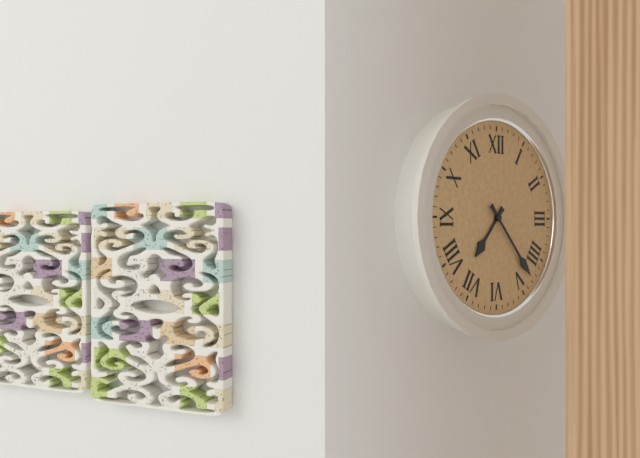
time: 7:23
